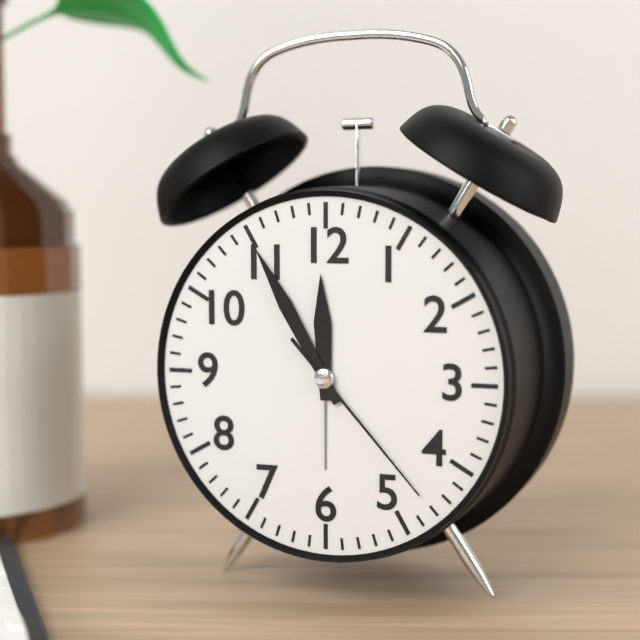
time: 11:55:23
